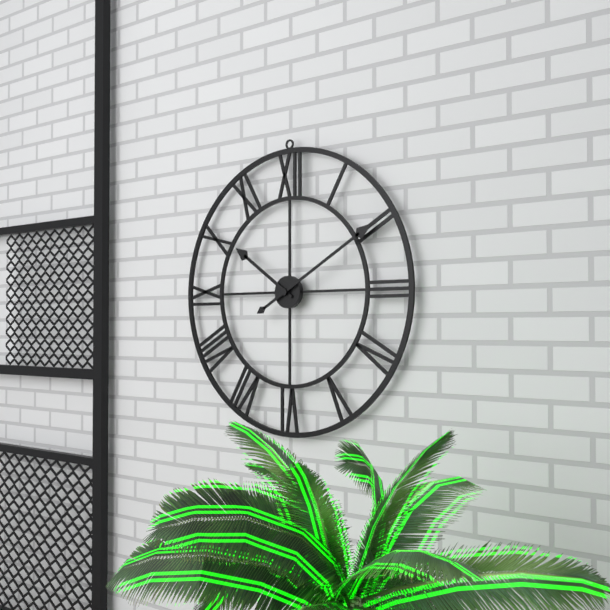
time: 10:10
